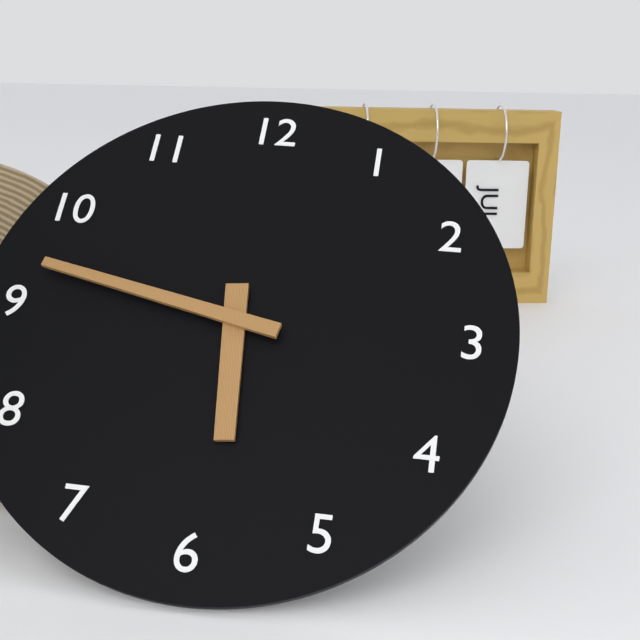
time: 5:47
